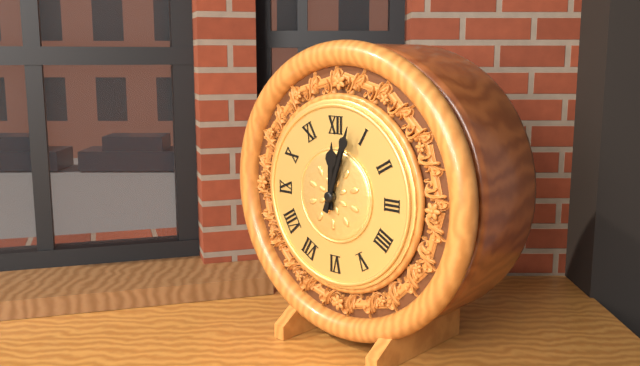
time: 12:03
